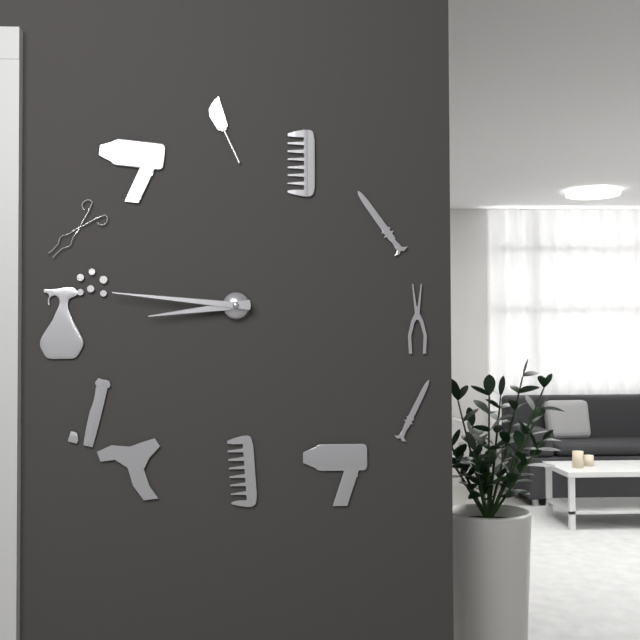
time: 8:46
